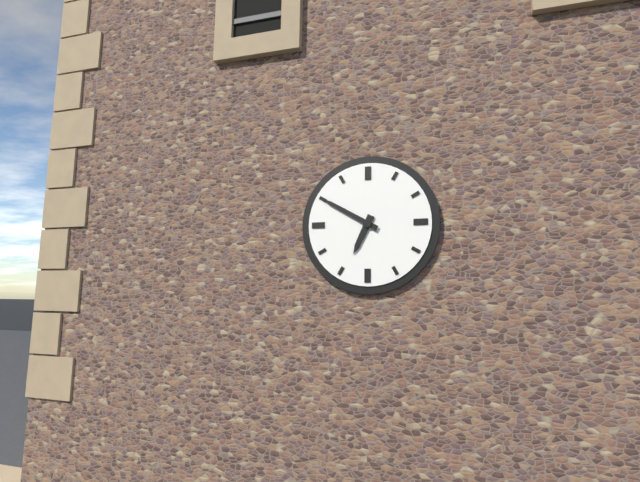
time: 6:50
